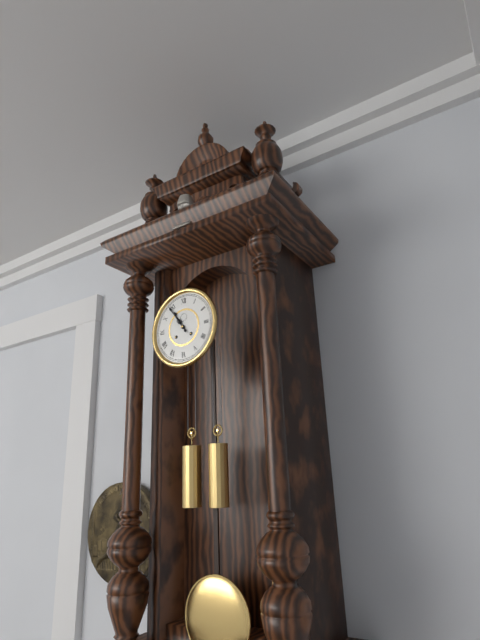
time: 10:54
